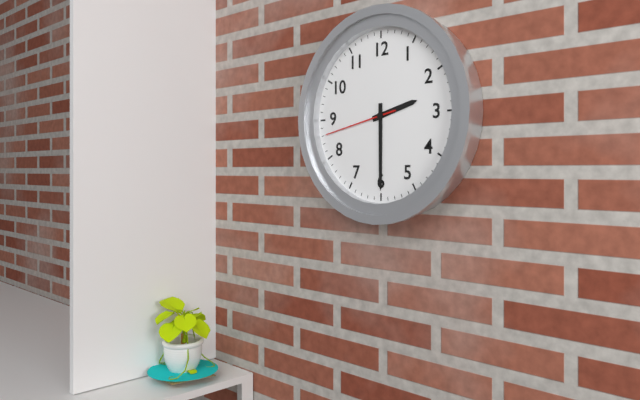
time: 2:30:43
